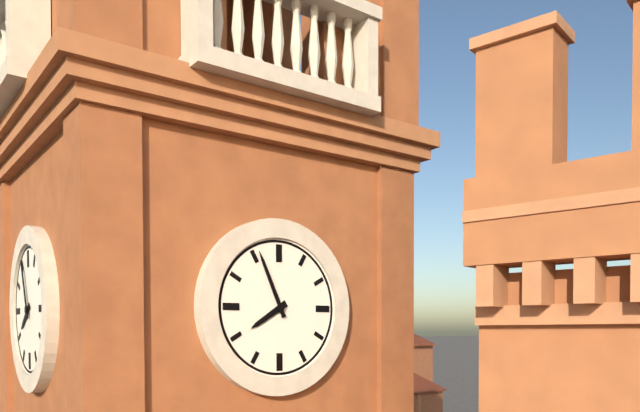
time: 7:56
